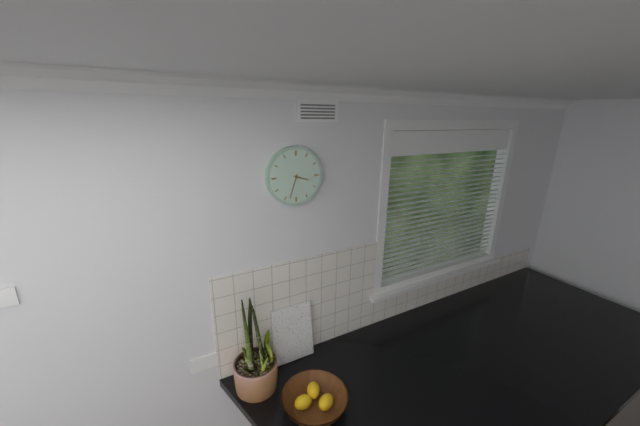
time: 3:33
